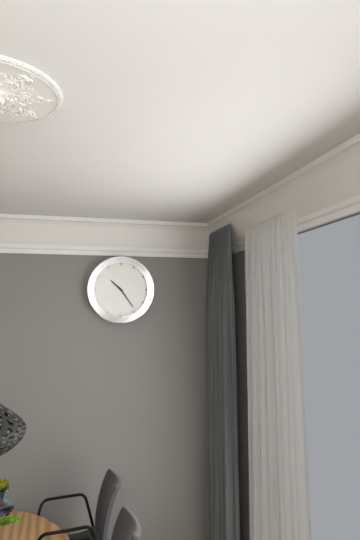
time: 10:24
